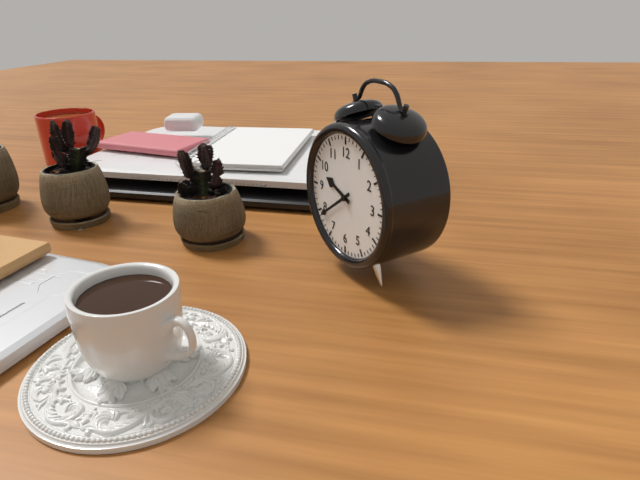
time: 9:39
